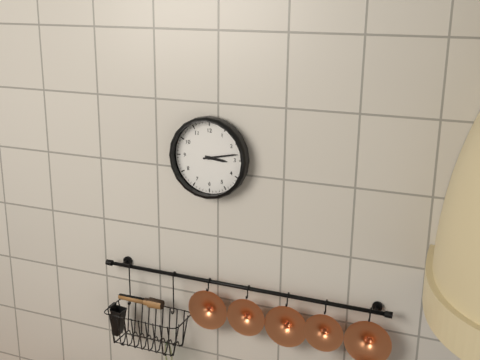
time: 3:13
